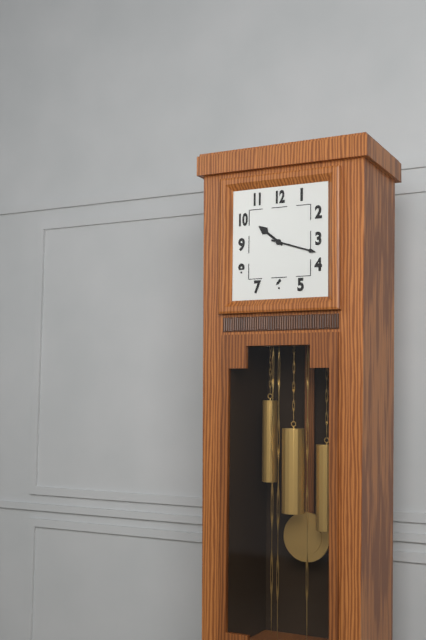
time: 10:18
